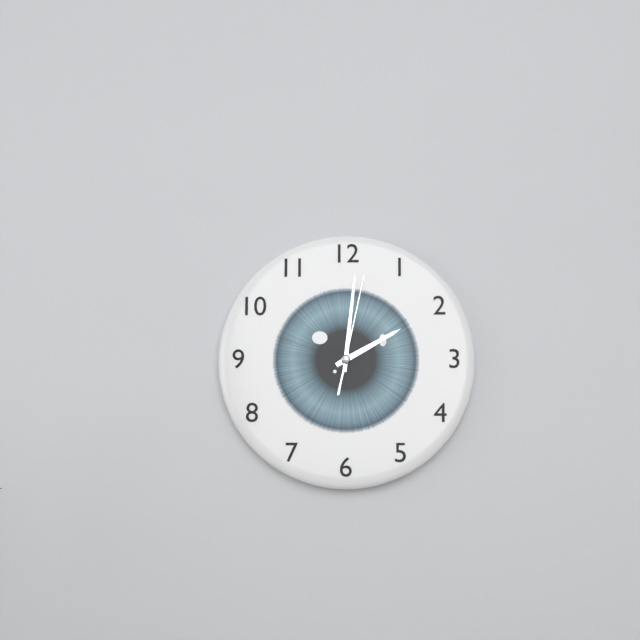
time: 2:01:02
